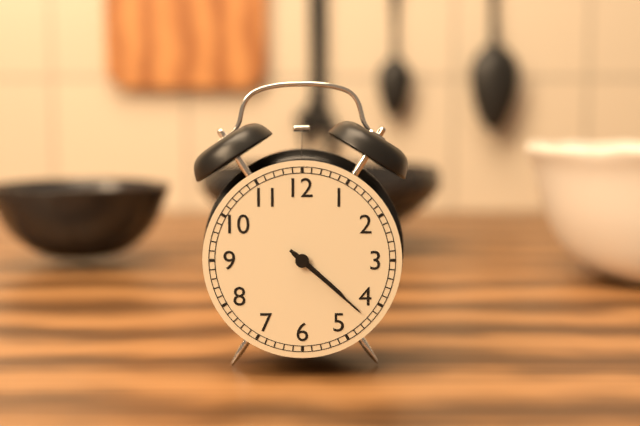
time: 4:22
